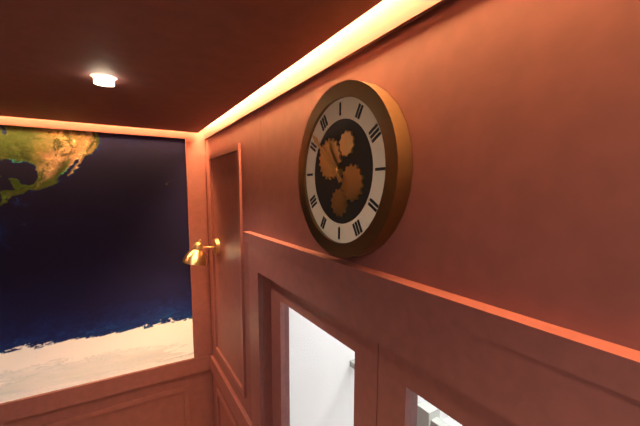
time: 10:52
